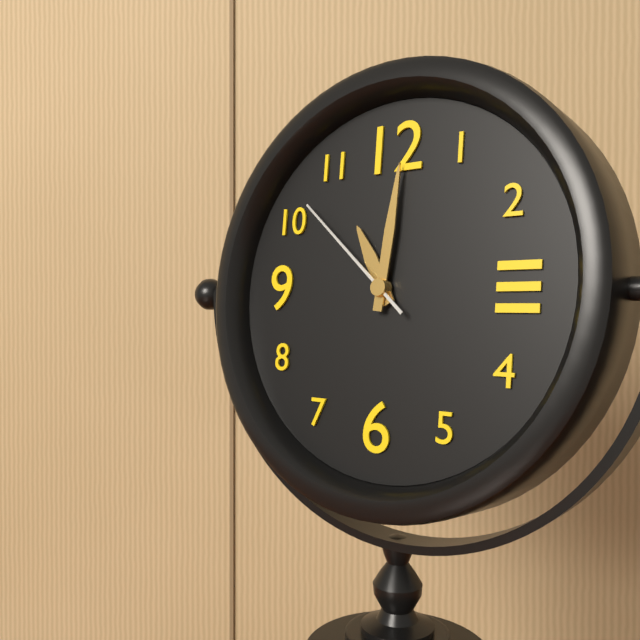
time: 11:01:52
